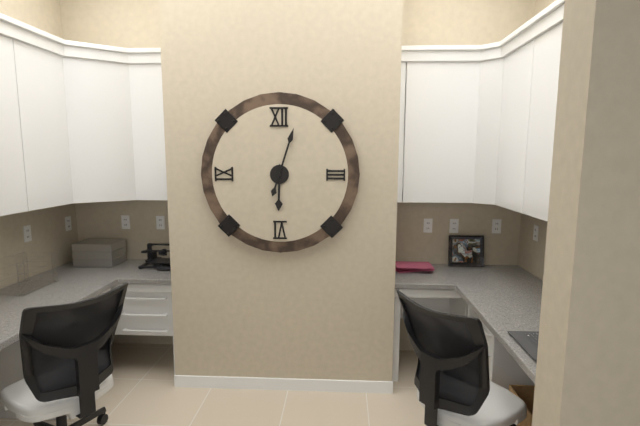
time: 6:03
